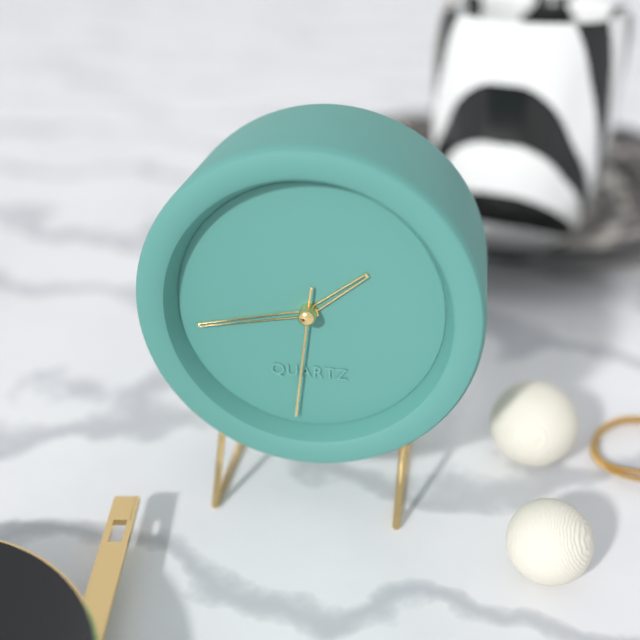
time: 1:43:31
